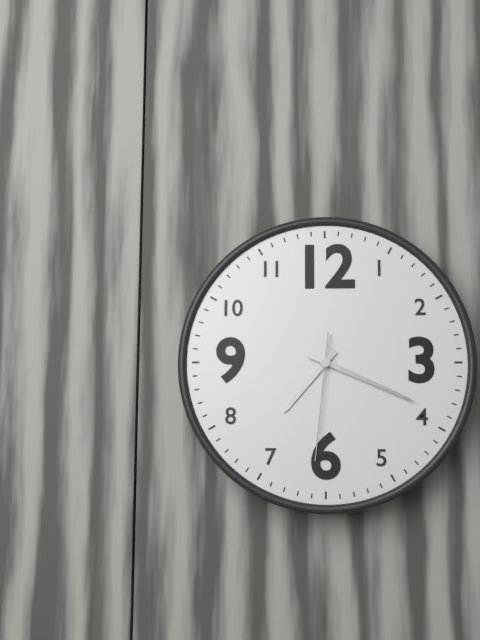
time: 7:19:31
